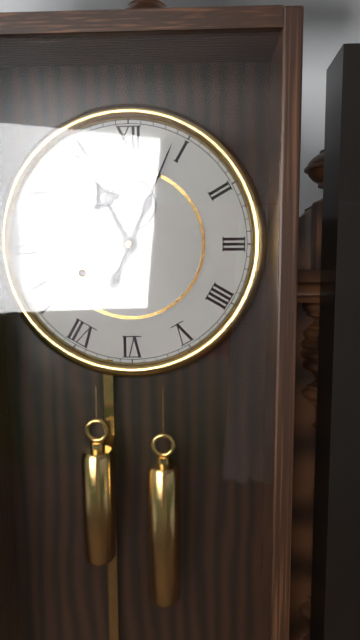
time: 11:04
